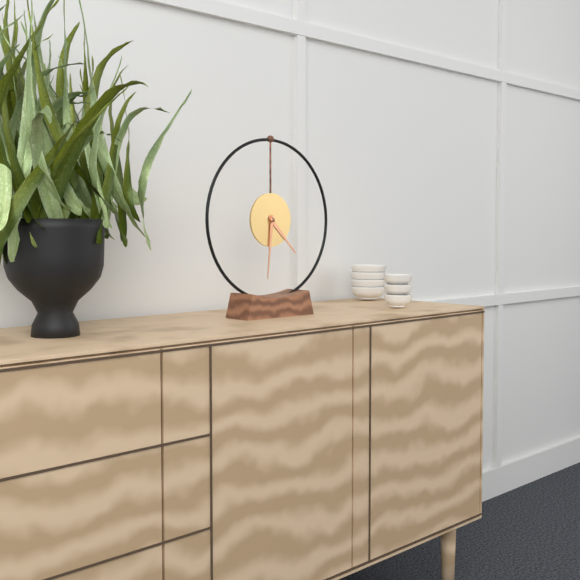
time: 4:31
